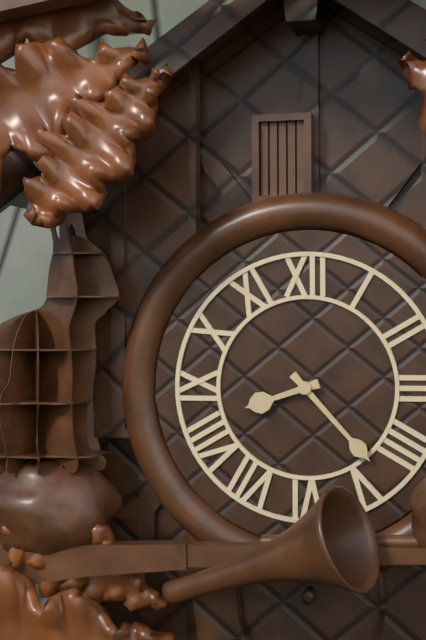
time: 8:23
